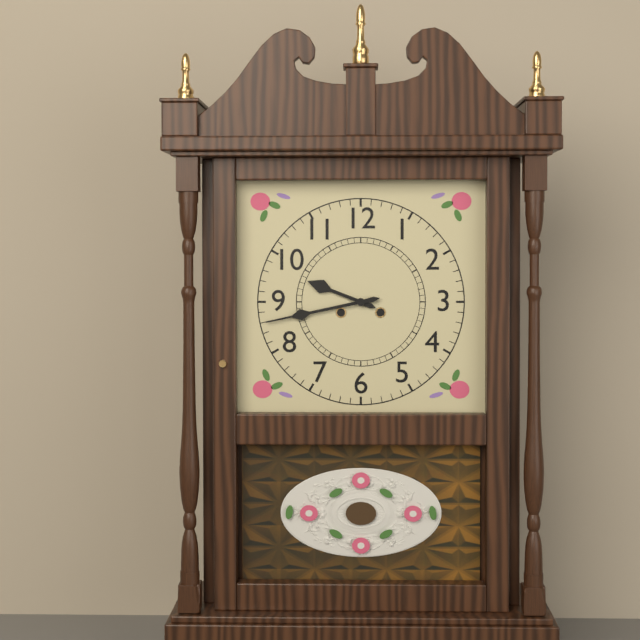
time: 9:43
